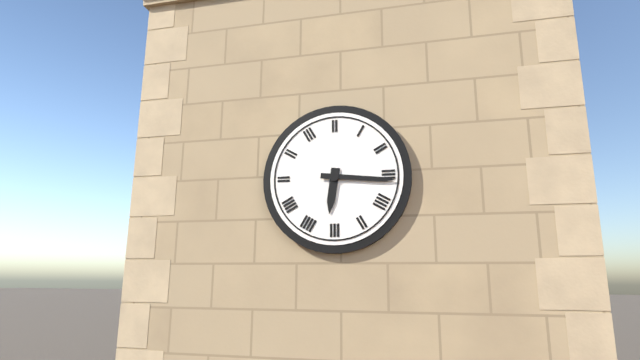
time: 6:16
